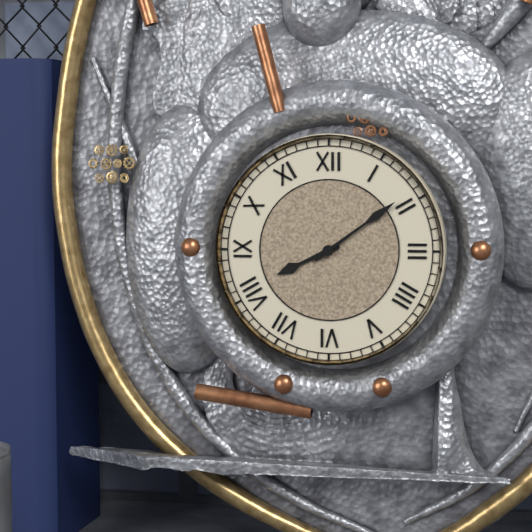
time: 8:09
